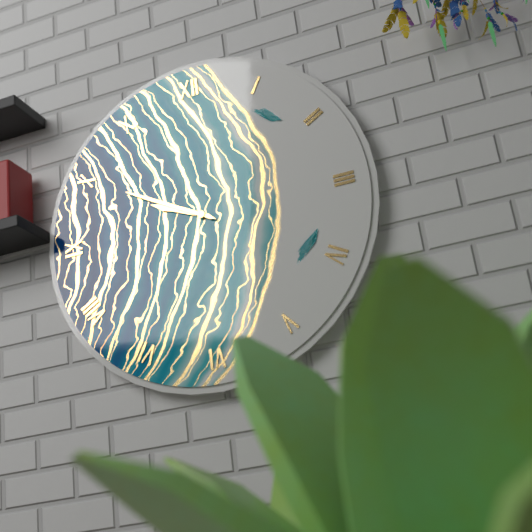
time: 9:50
